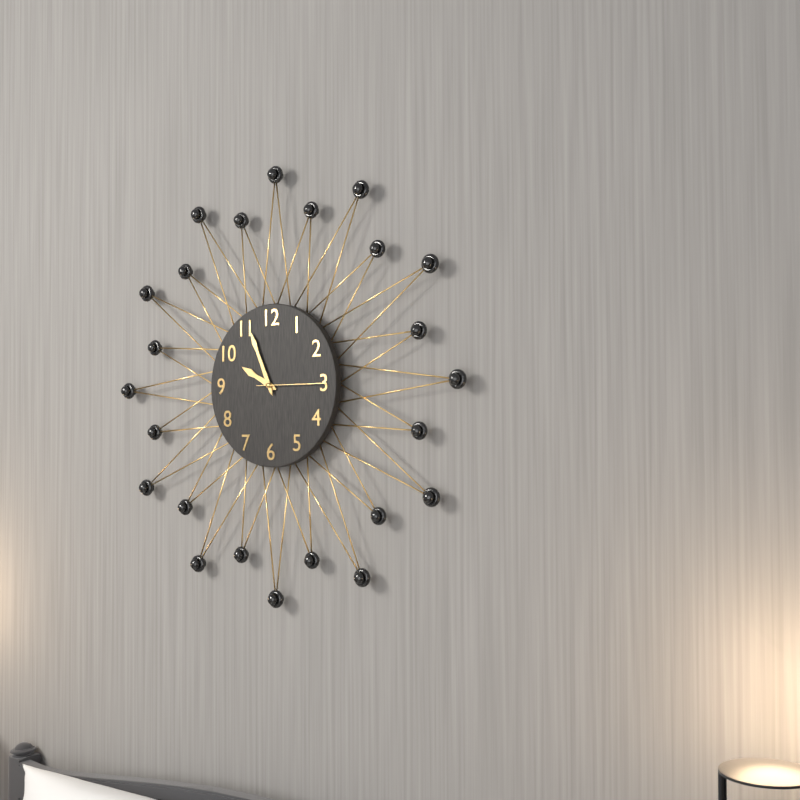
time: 9:56
